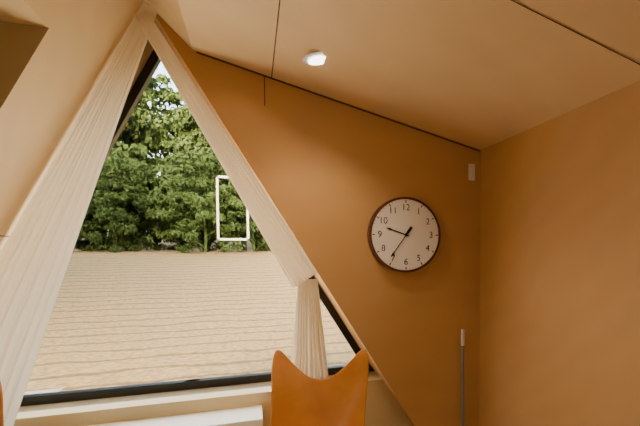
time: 9:36
